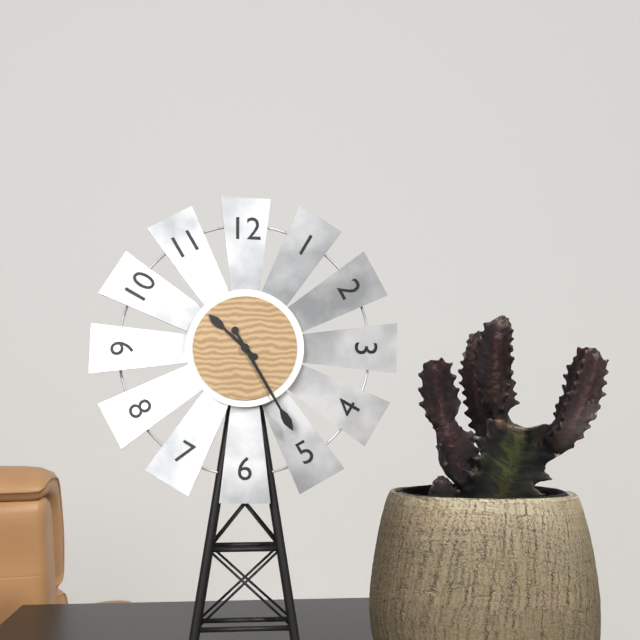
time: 10:25
